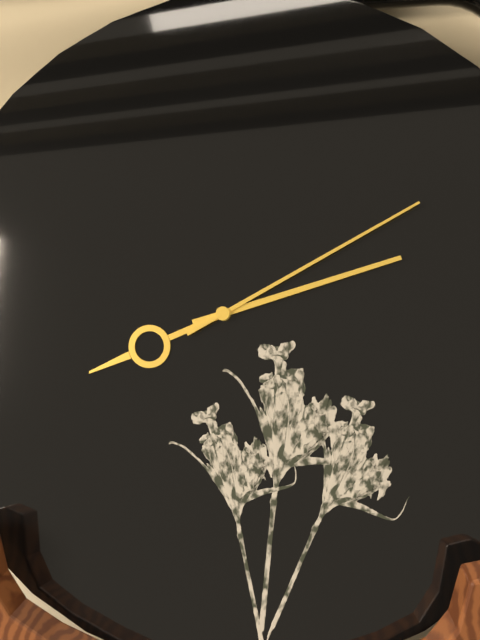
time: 8:12:10
